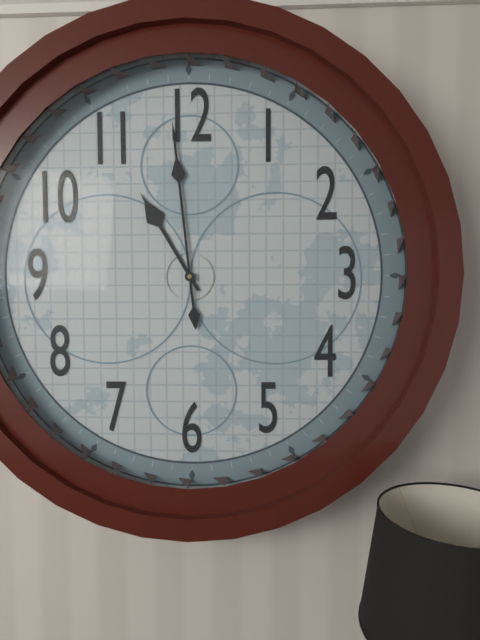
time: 10:59
